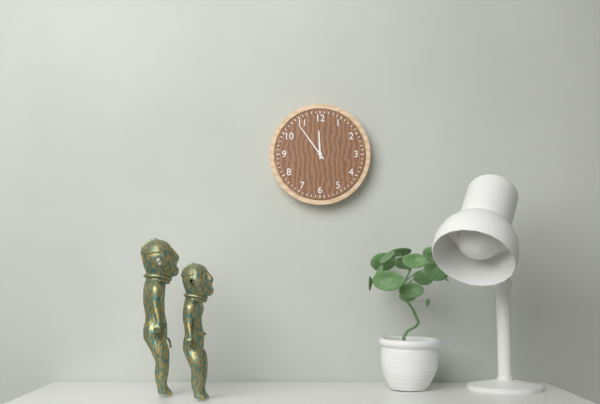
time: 11:54
